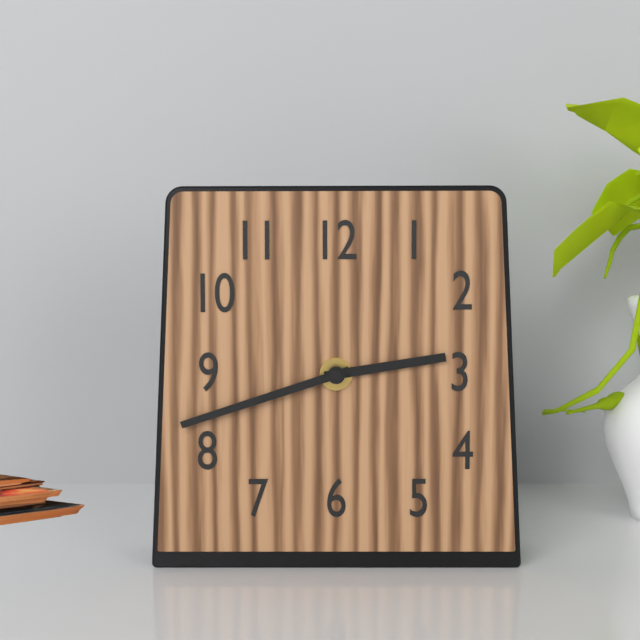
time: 2:42
